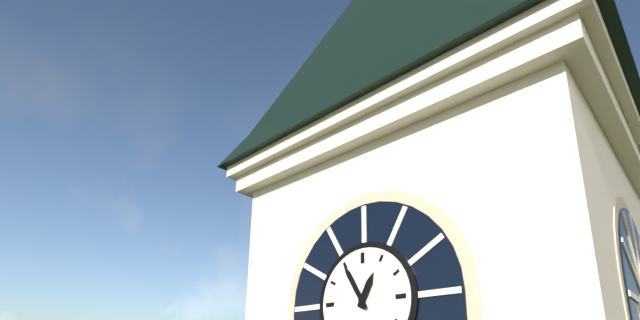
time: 12:55
